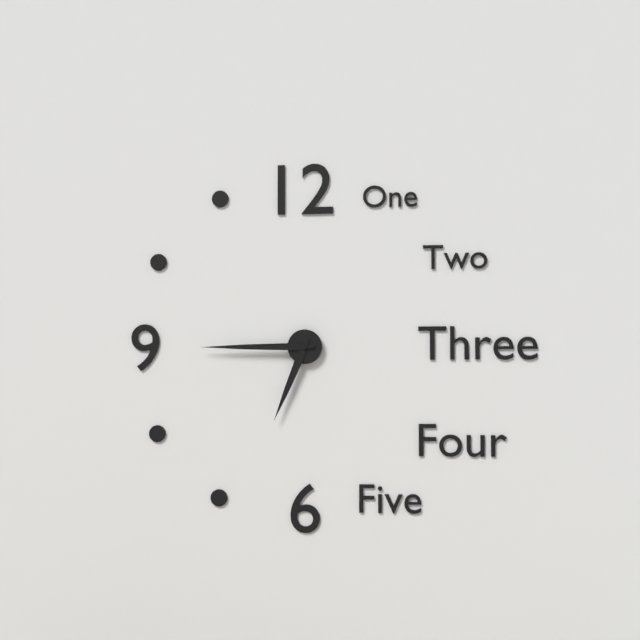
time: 6:45
